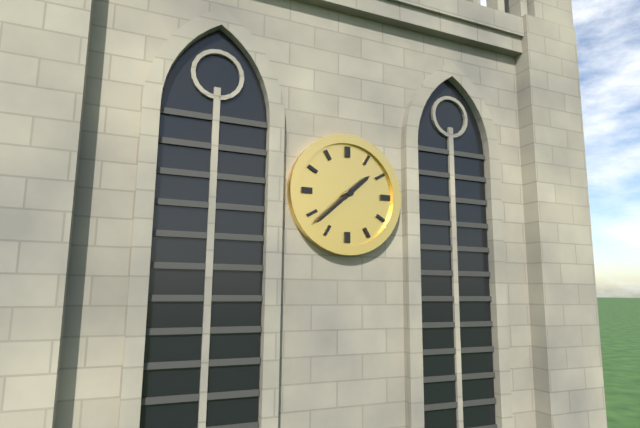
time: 1:38
